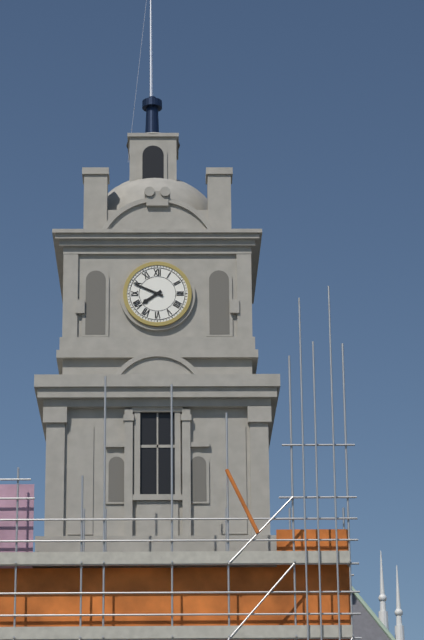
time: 7:49
